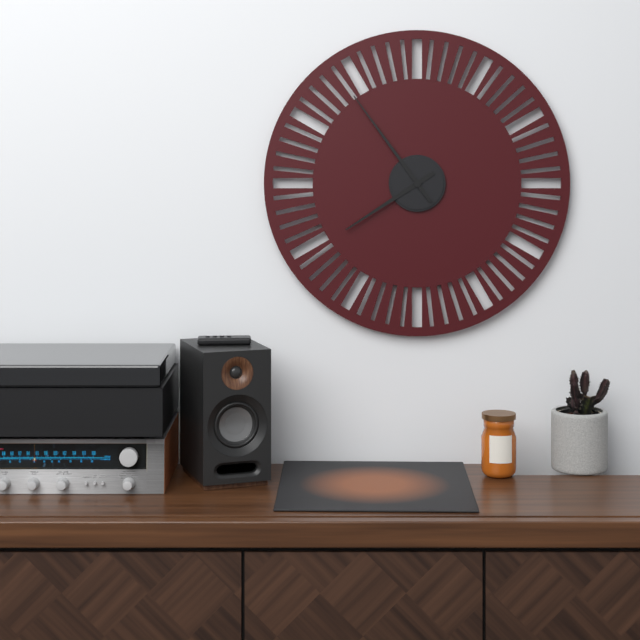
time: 7:54
